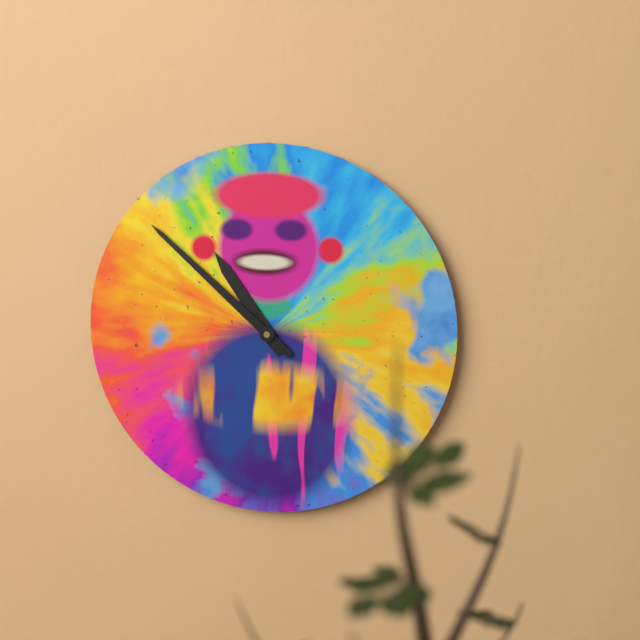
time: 10:52
